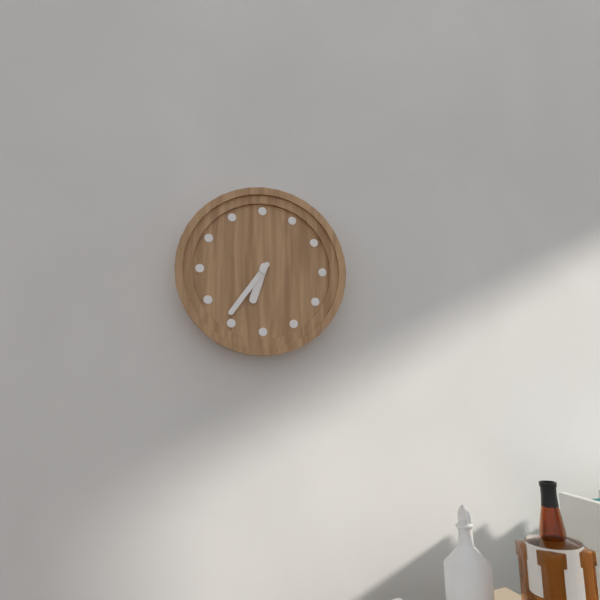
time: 6:36
